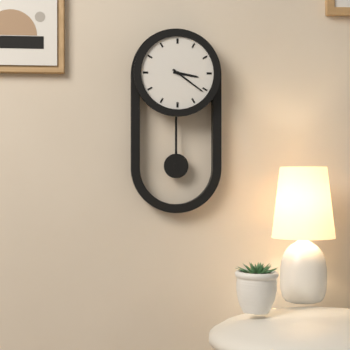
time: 3:21
